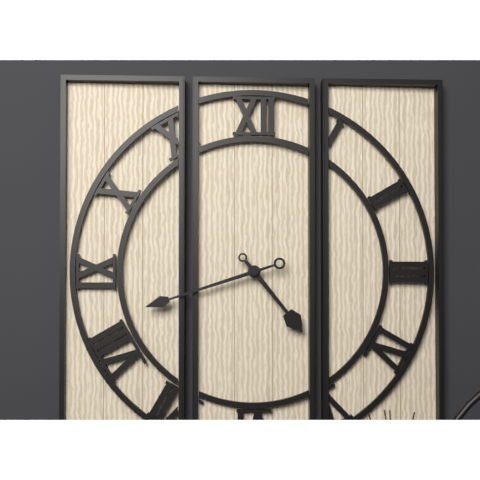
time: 4:42
